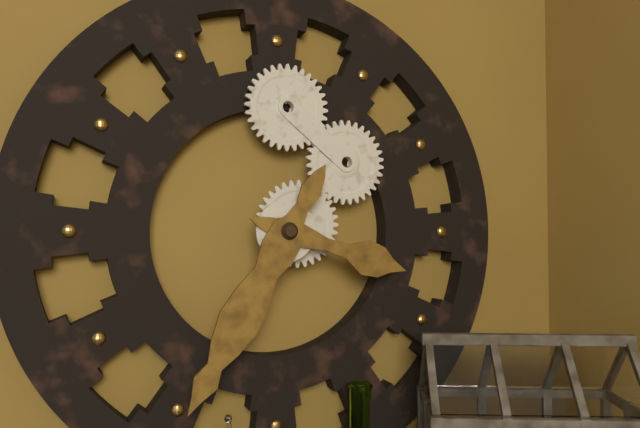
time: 3:35
